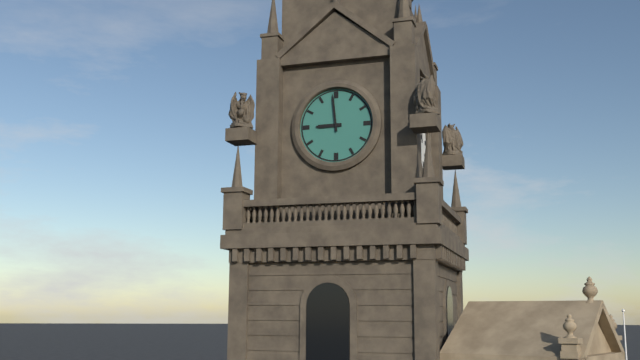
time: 8:59
